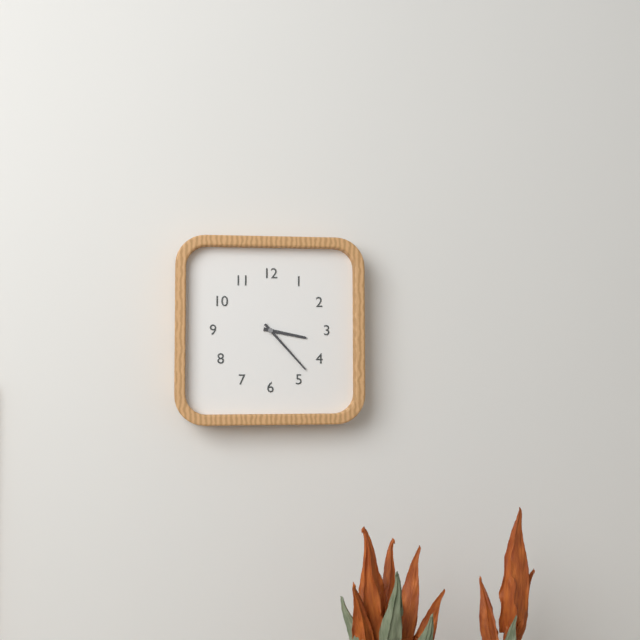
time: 3:23
